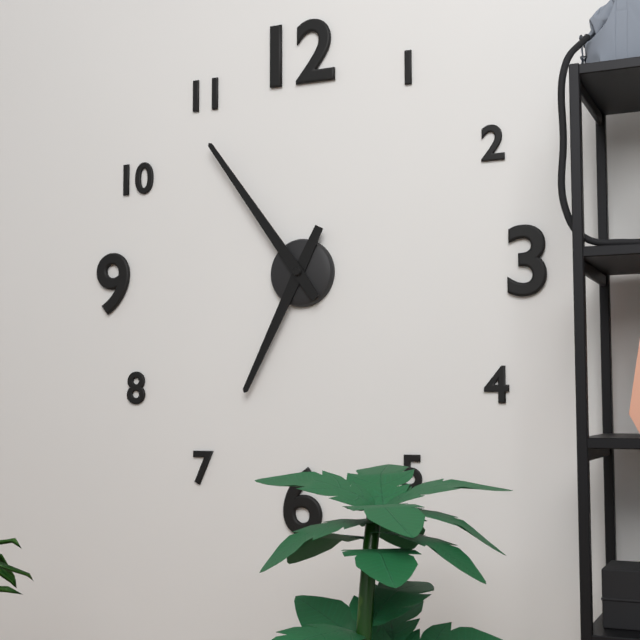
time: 6:54
